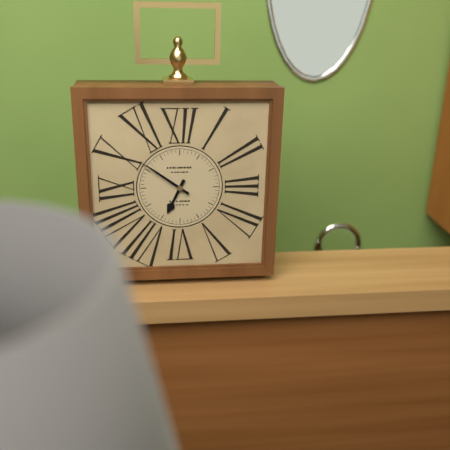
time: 6:51
